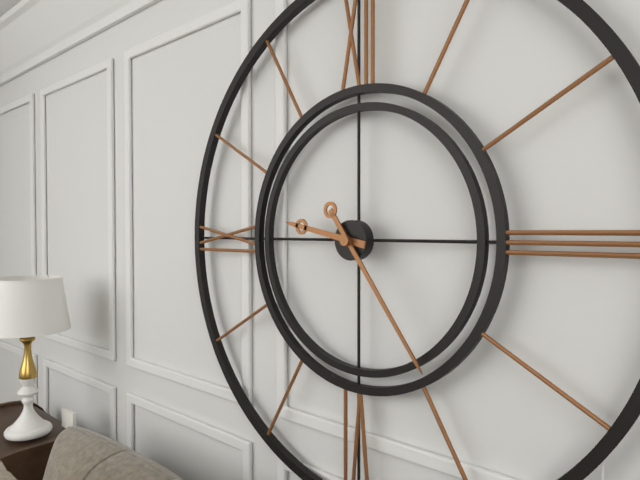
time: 9:24
